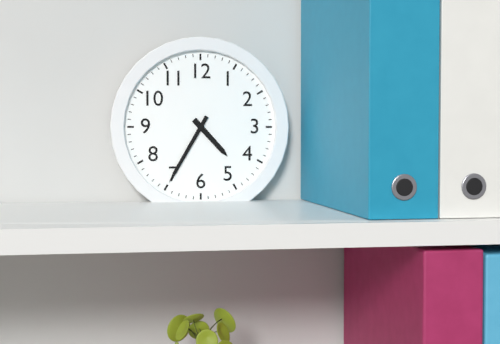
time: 4:35
